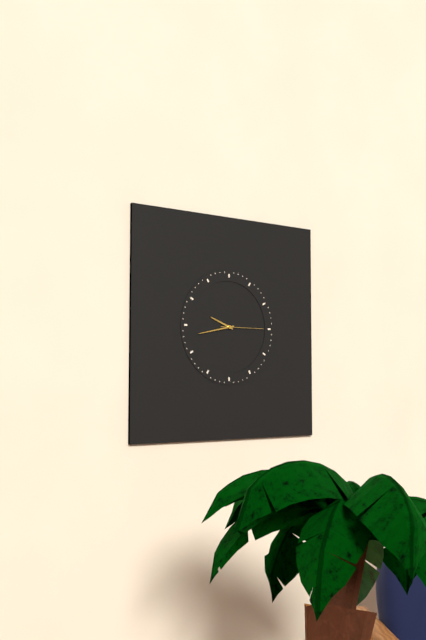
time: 9:43
